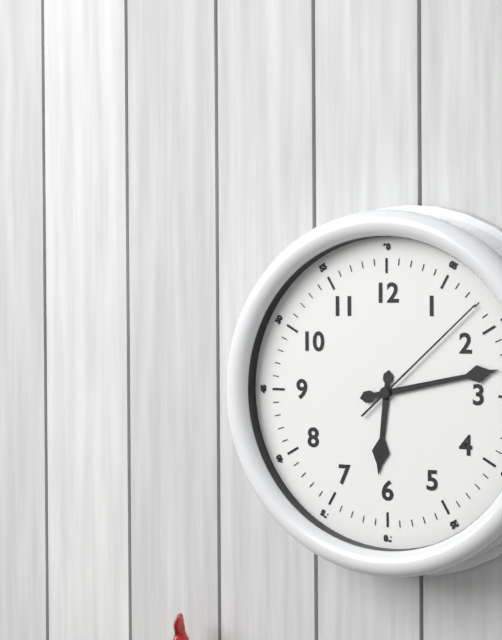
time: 6:13:08
